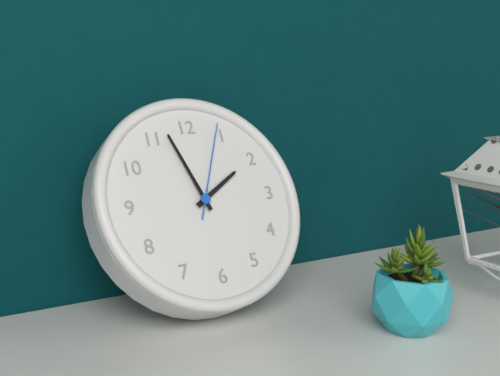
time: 1:57:04
